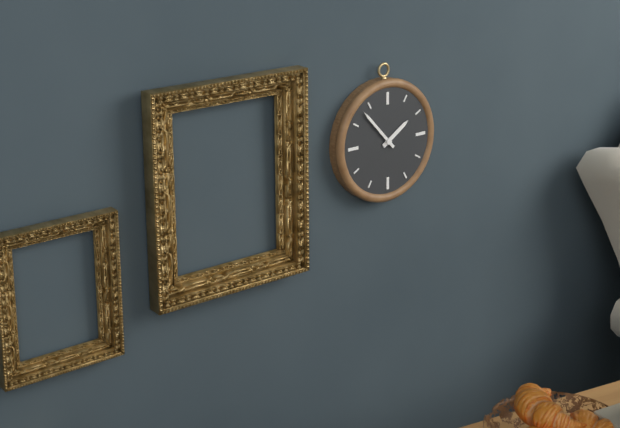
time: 1:53
